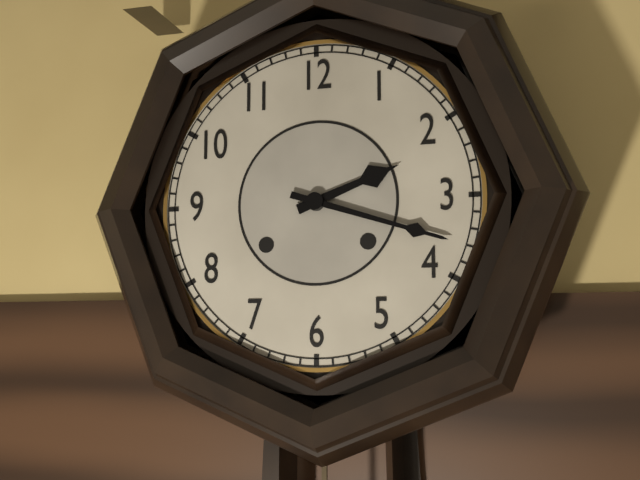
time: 2:18
